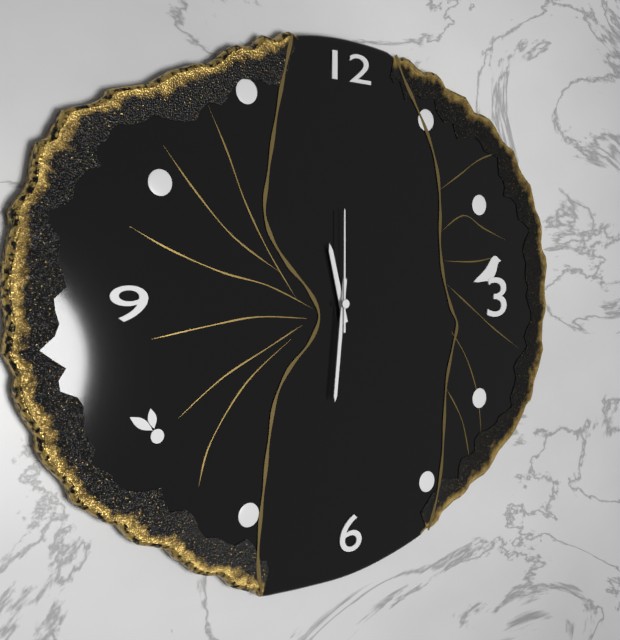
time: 11:31:00
